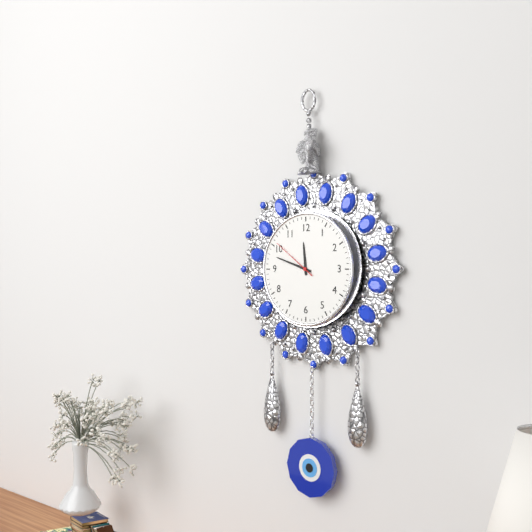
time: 11:48
